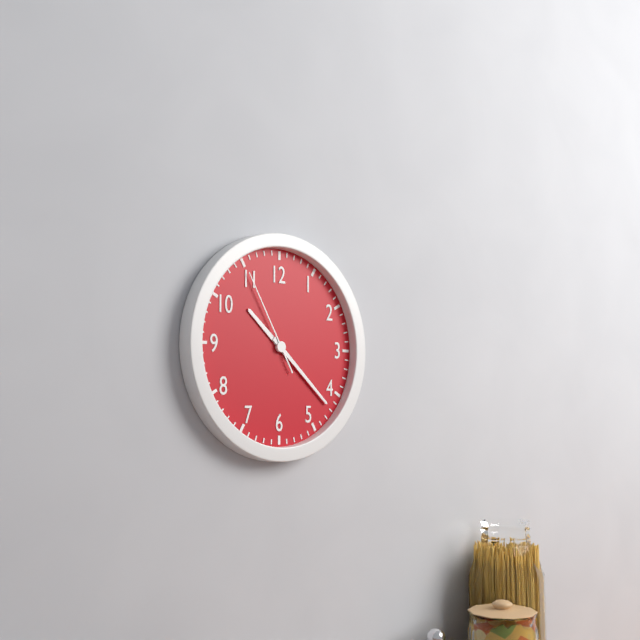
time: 10:22:55
